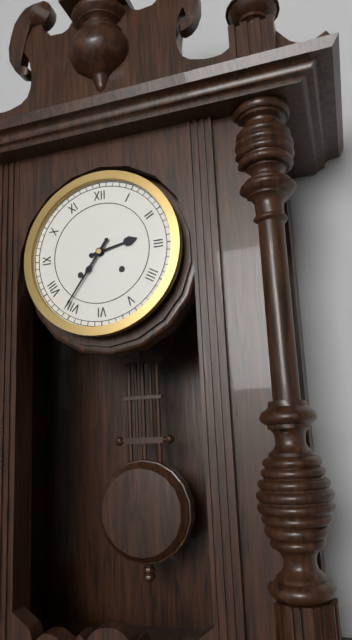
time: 2:36
